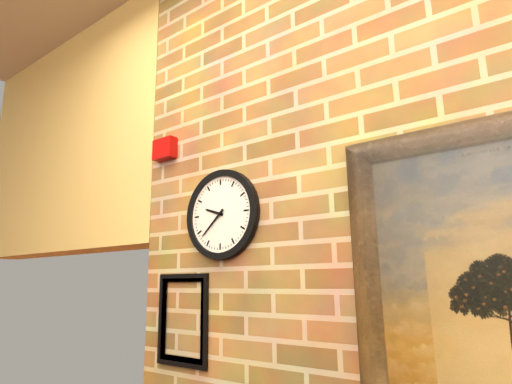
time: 9:38
